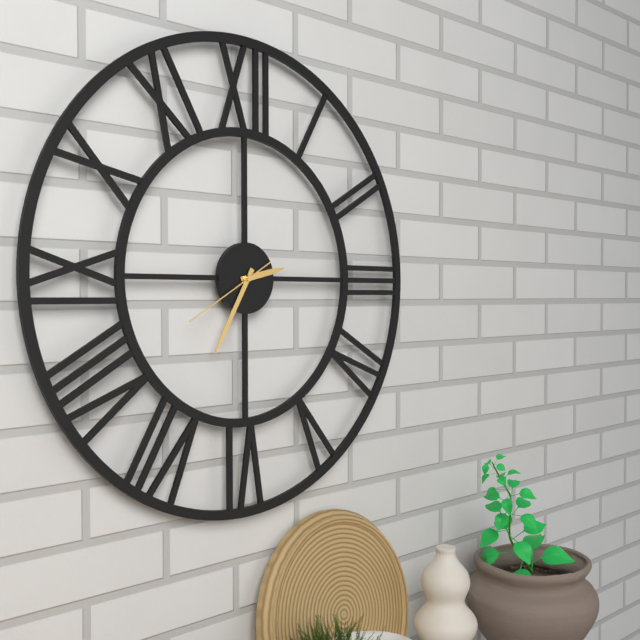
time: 2:35:40
